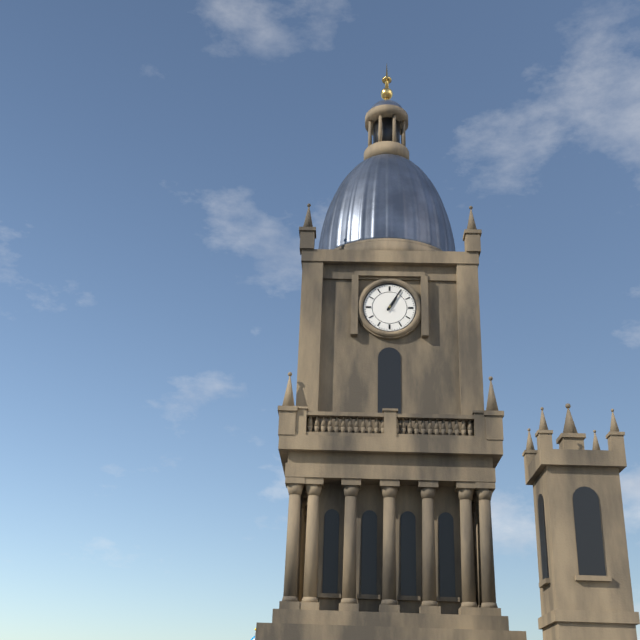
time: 1:05
